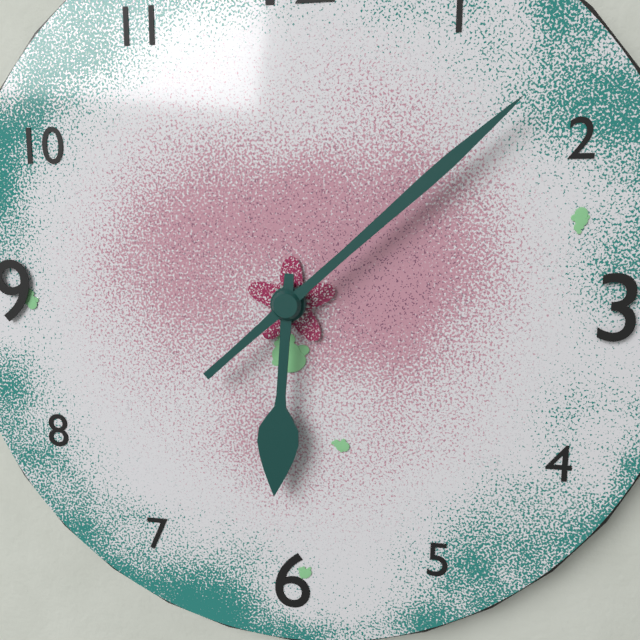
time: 6:08
